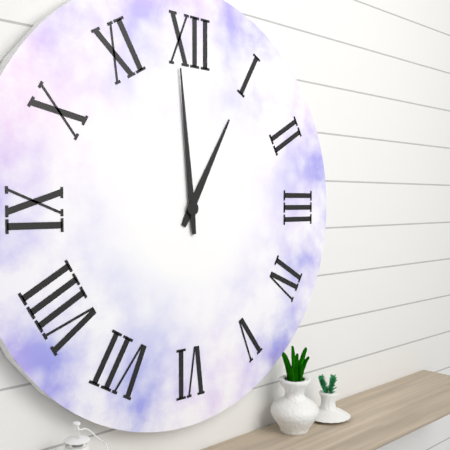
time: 12:59
